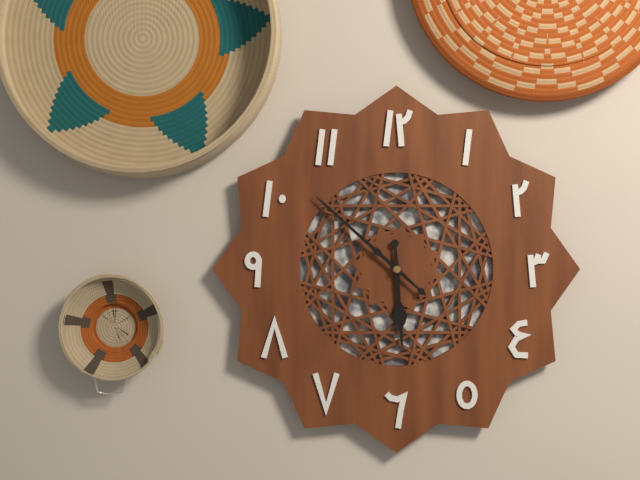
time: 5:52
